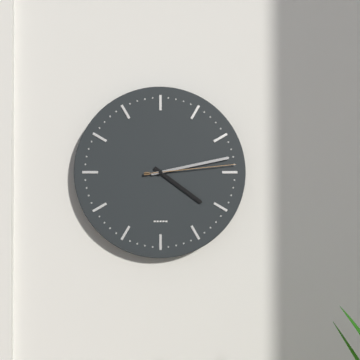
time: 4:13:14
